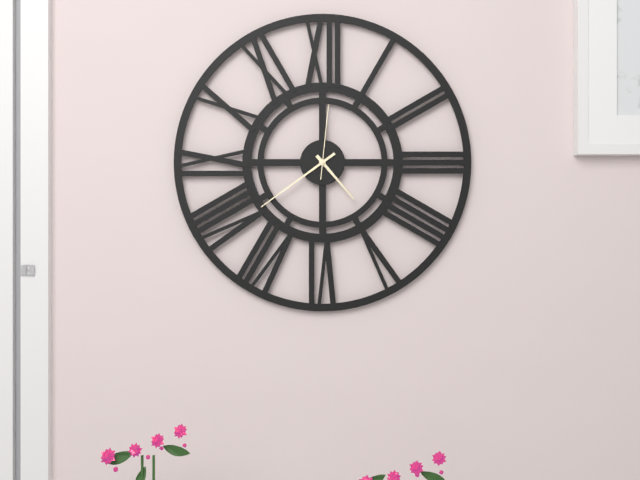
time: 4:39:01
